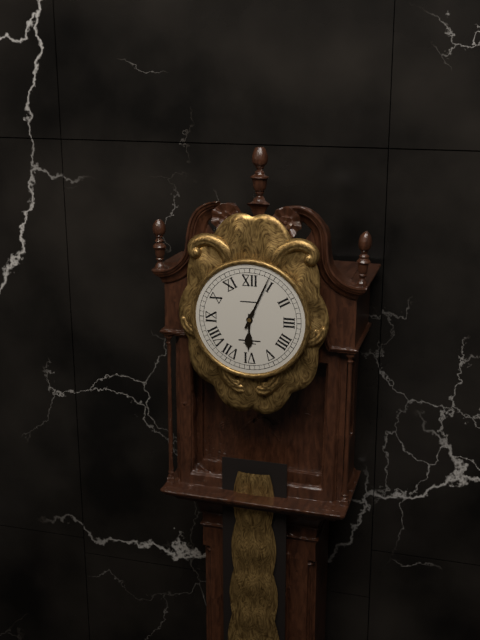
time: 6:04
